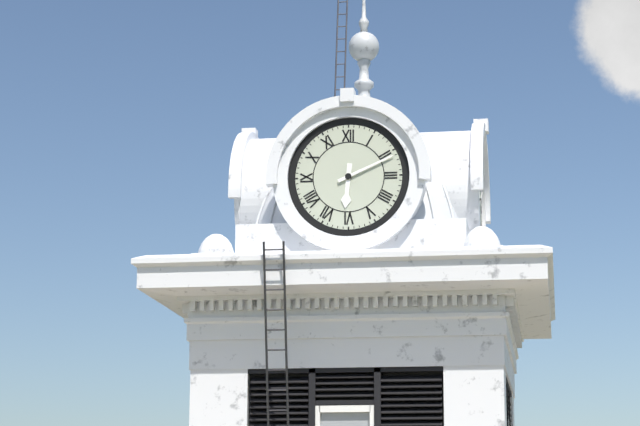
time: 6:11
